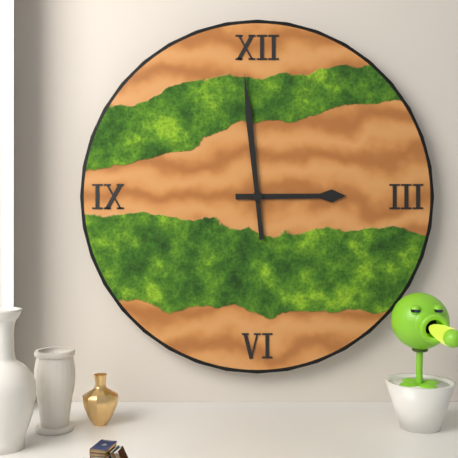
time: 2:59
